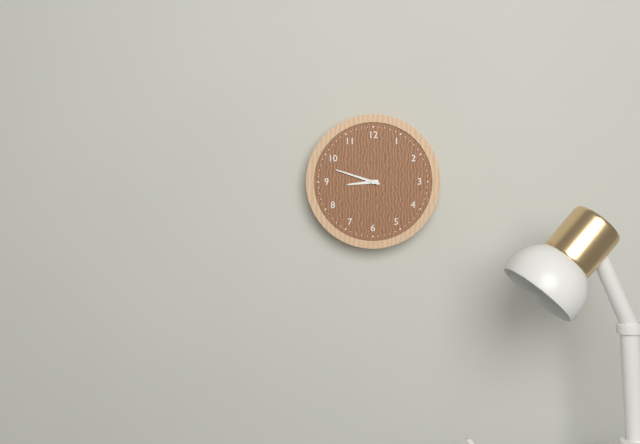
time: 8:48
